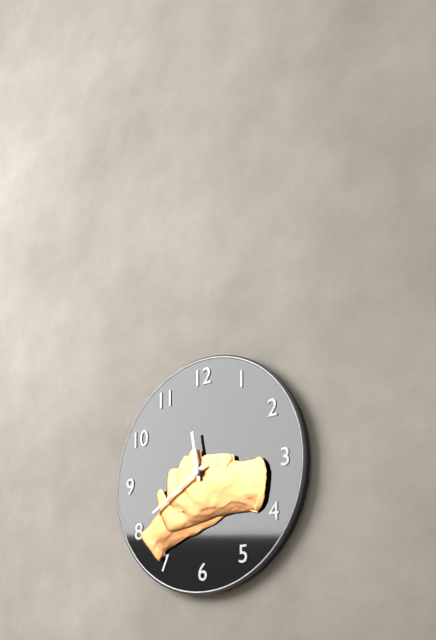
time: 11:40
